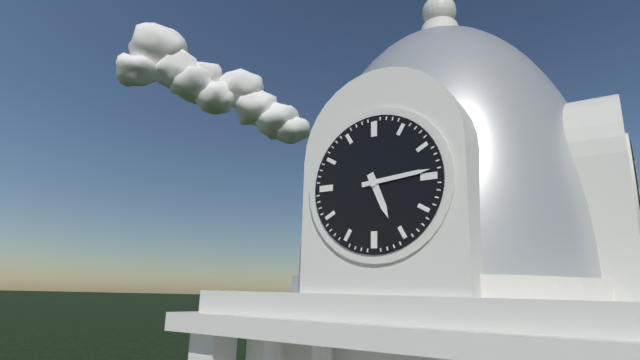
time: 5:14
